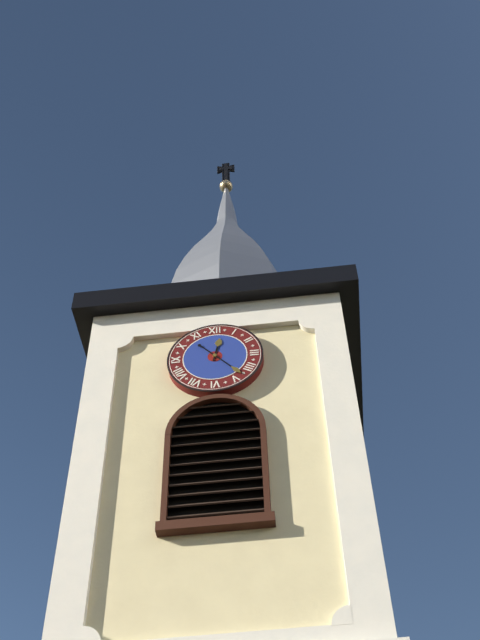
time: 12:23
